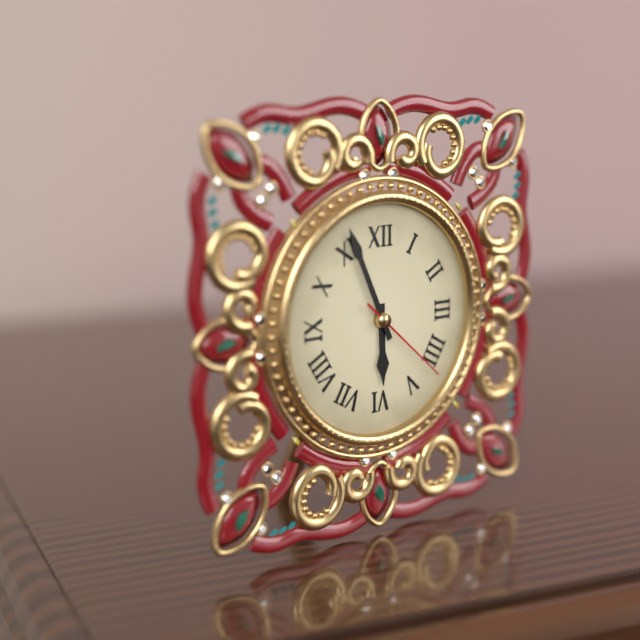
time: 5:56:22
